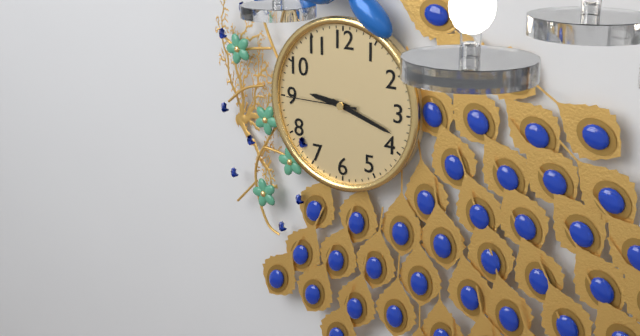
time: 9:18:45
